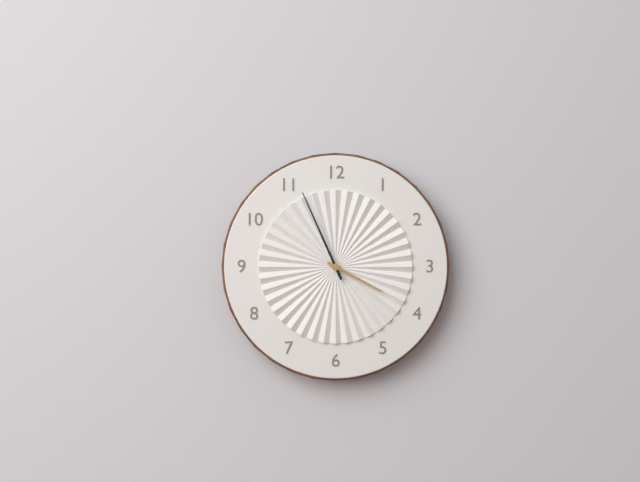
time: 3:56
